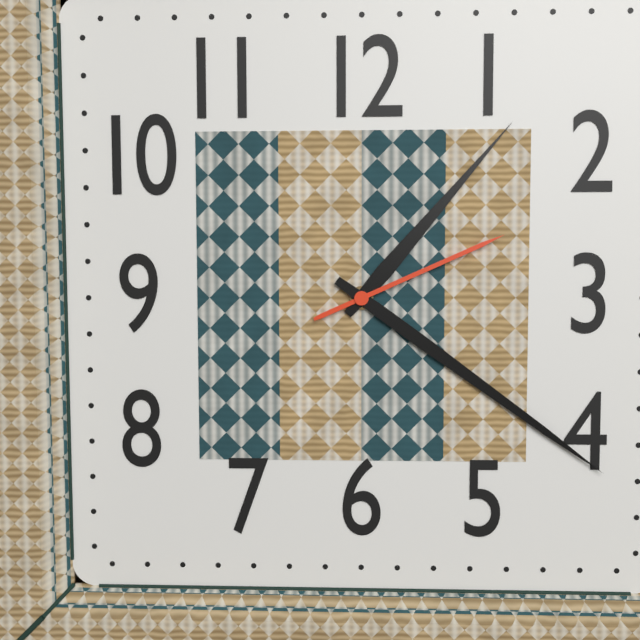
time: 1:21:11
